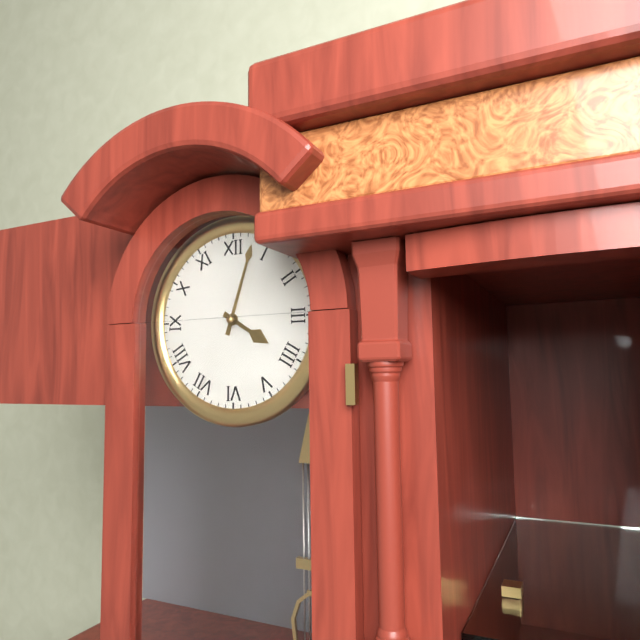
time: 4:03
